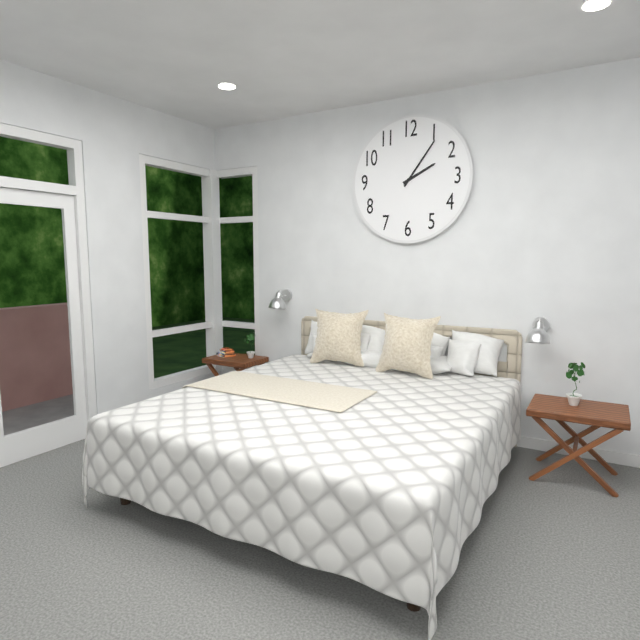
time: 2:06
